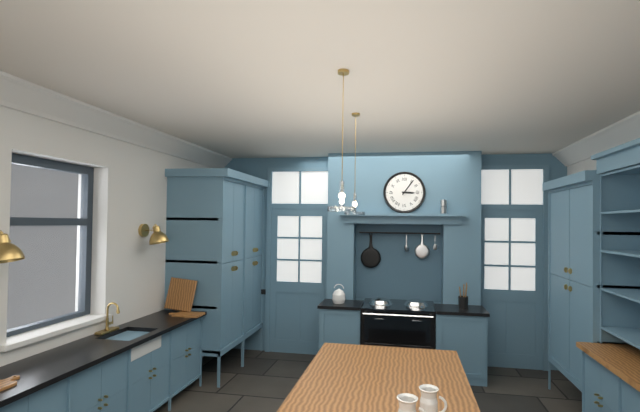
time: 3:06
